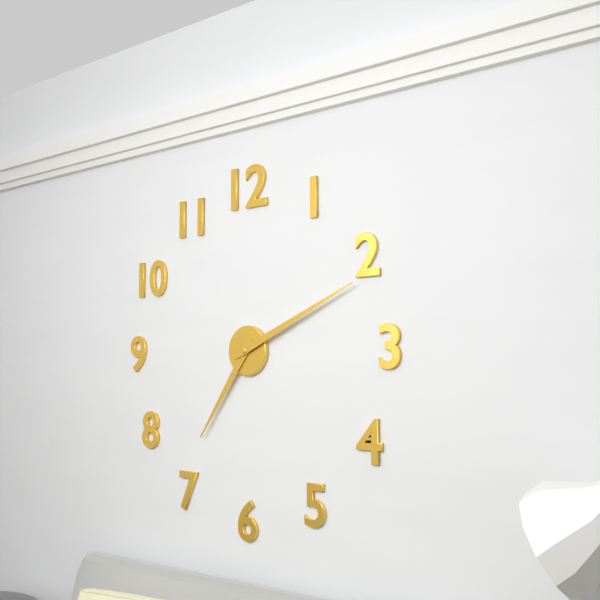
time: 7:11
